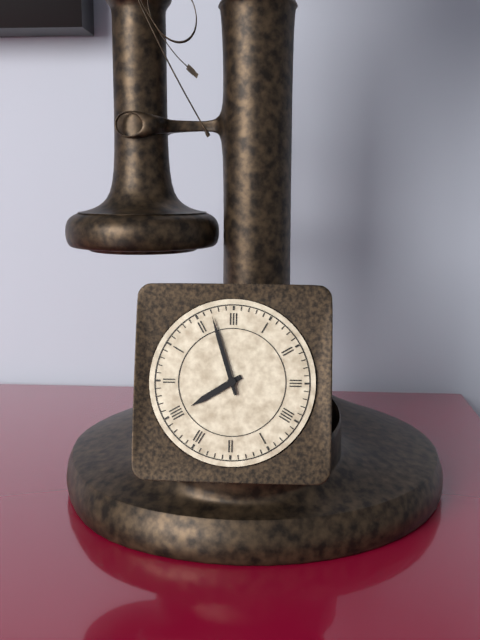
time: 7:57
